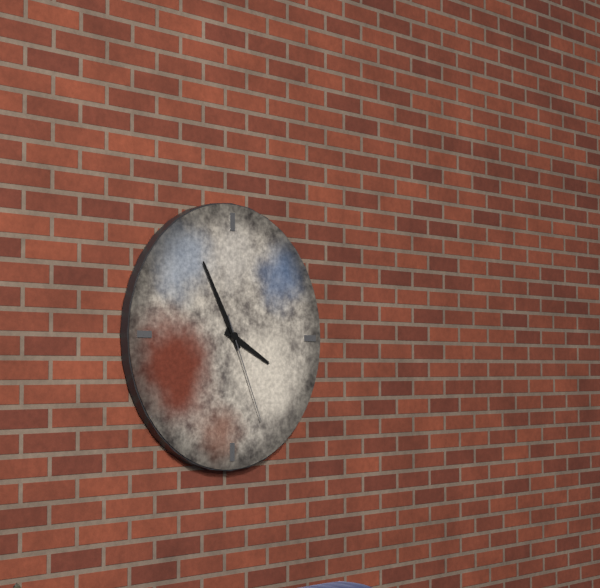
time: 3:55:26
